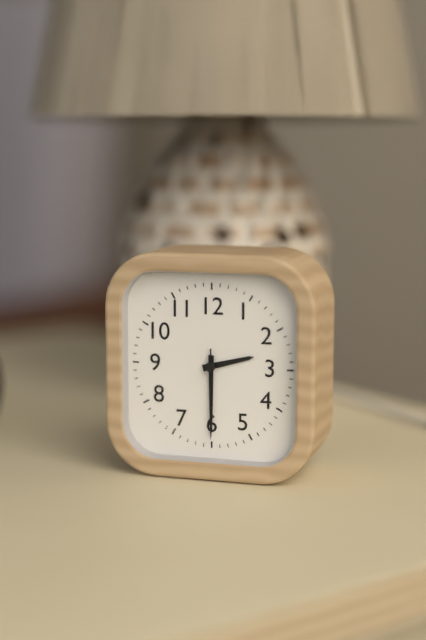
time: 2:30:30
